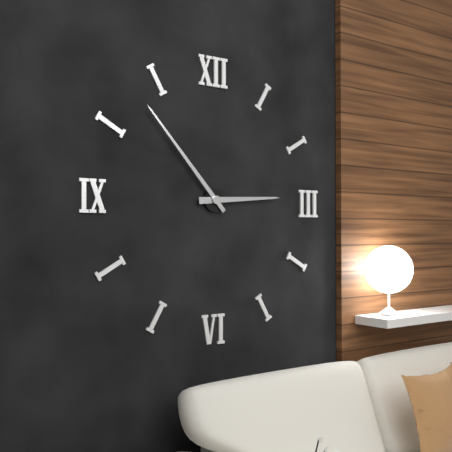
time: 2:53
